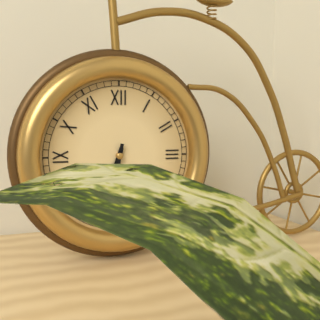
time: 6:32
